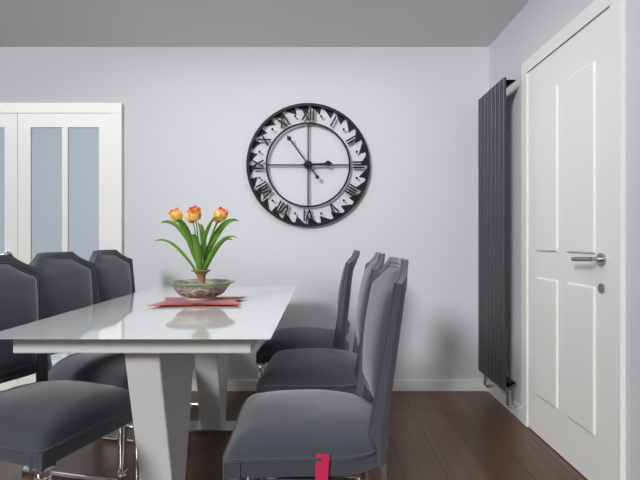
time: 2:54
